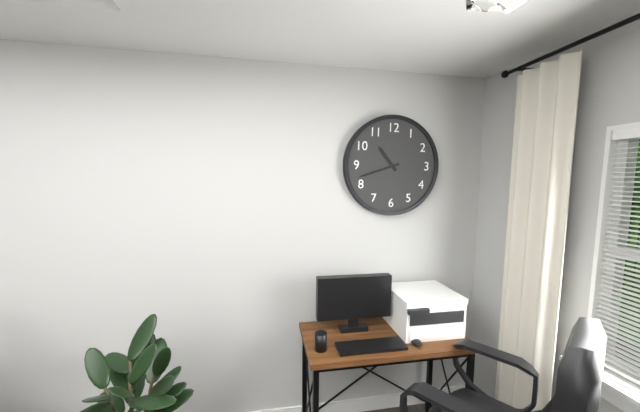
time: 10:42
